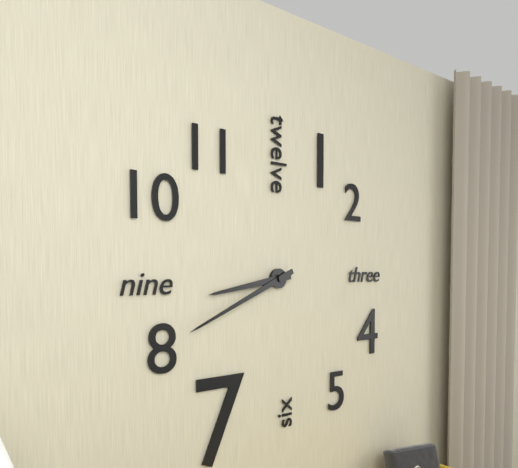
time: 8:41
